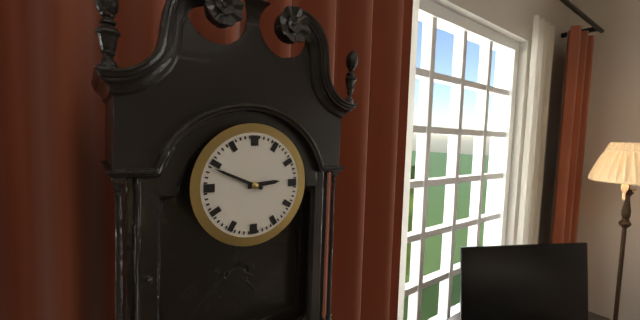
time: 2:49
